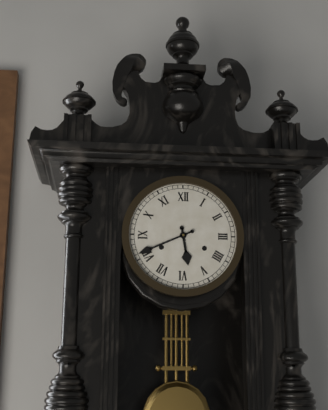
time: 5:41
